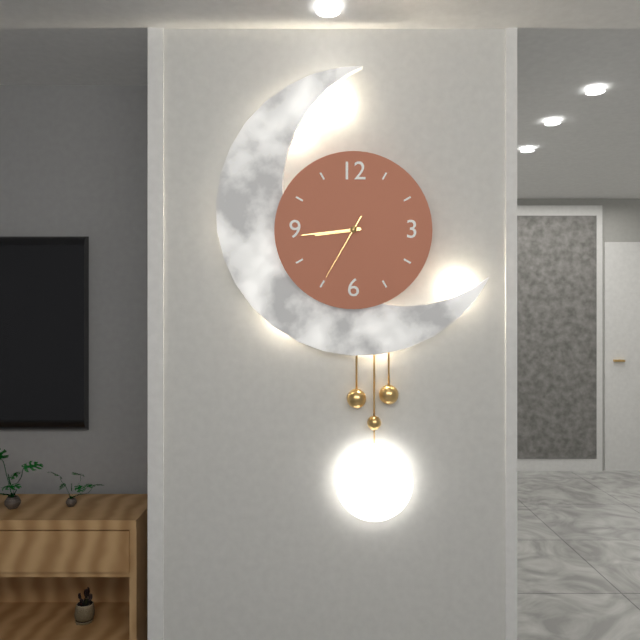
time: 8:44:35
